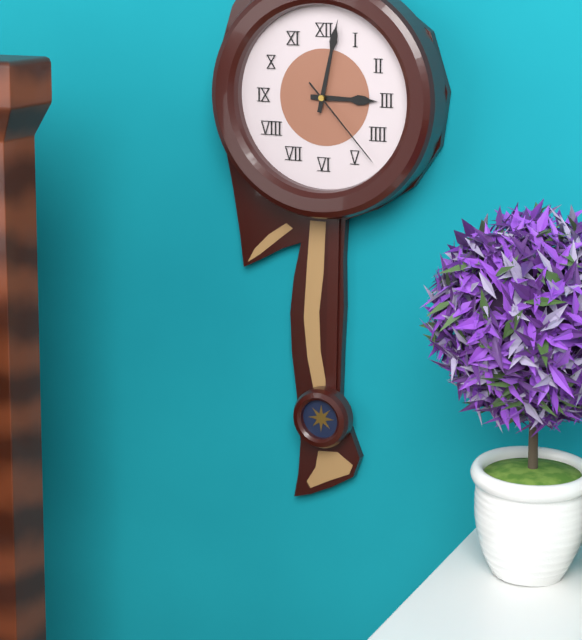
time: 3:02:23
